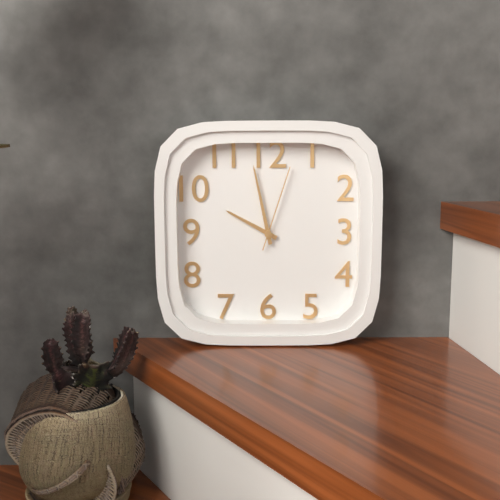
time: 9:58:03
